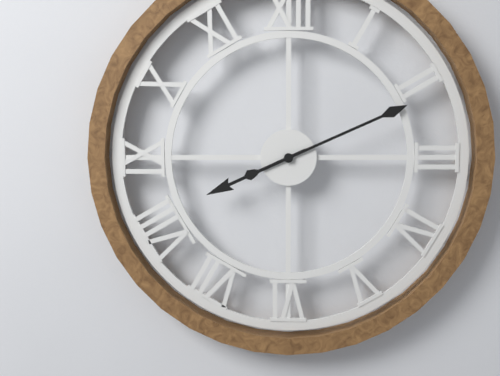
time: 8:11
